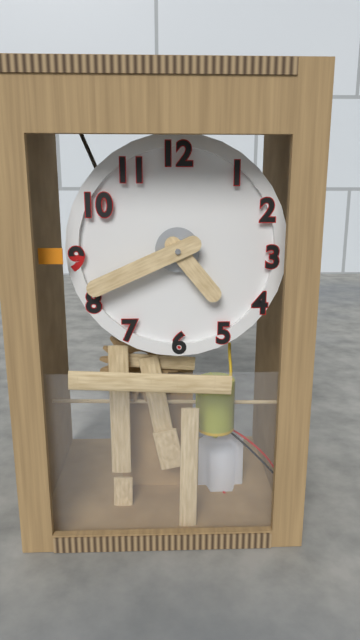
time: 4:41
